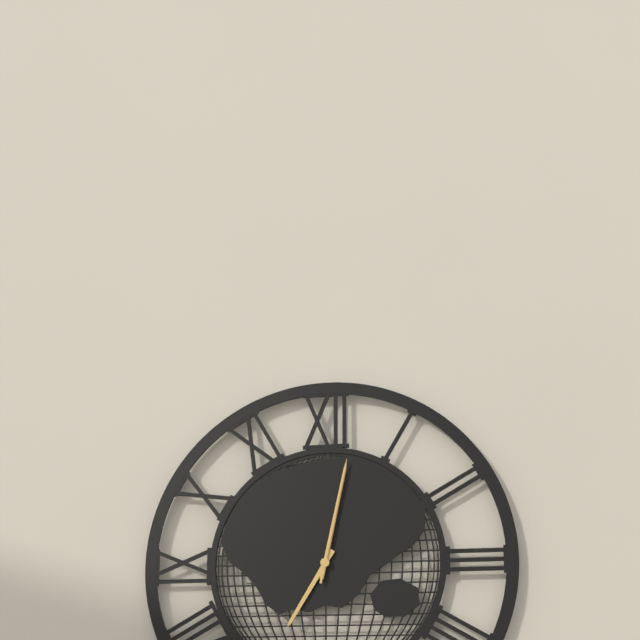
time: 7:02:02
